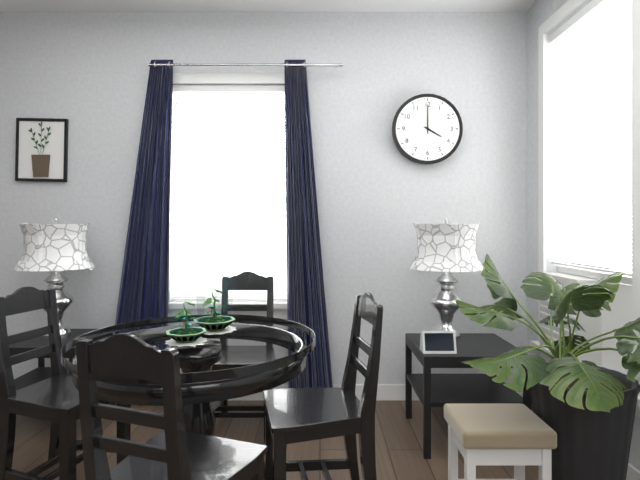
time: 4:00
